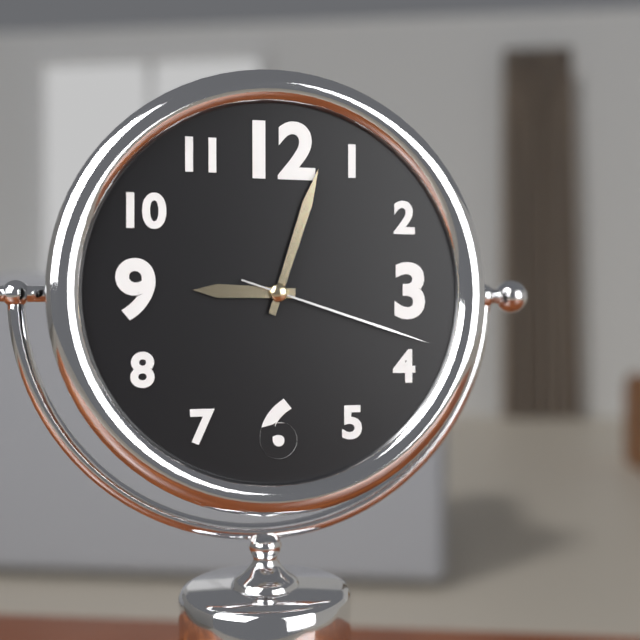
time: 9:03:18
